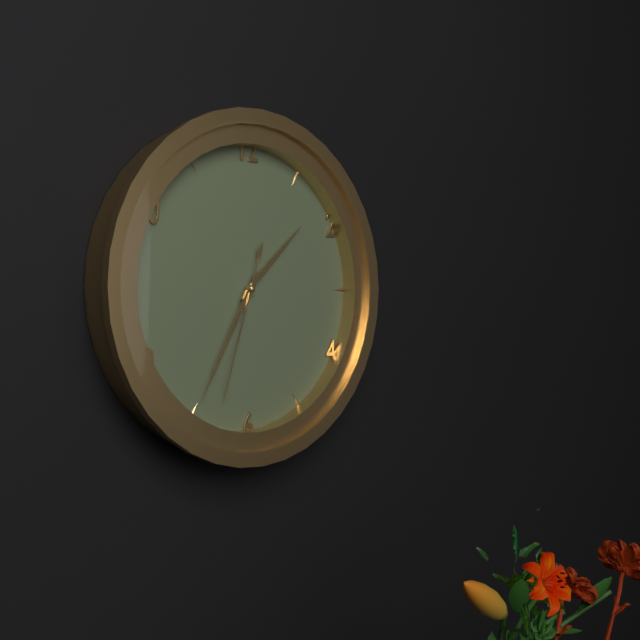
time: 1:35:33
